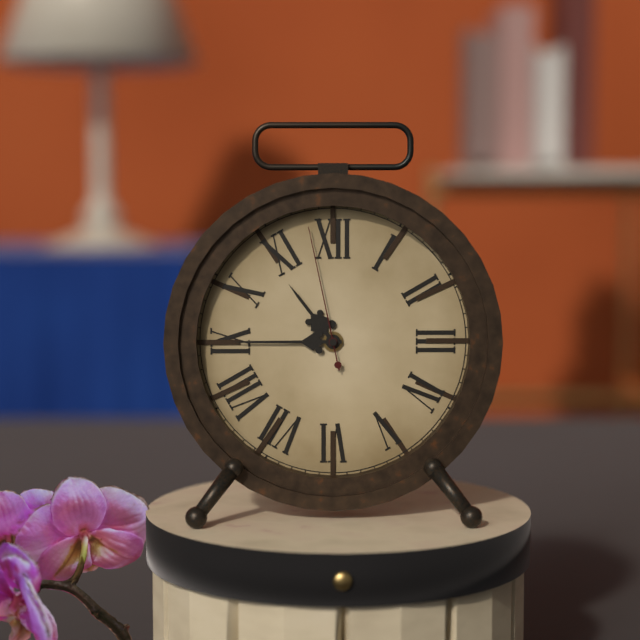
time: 10:45:58
